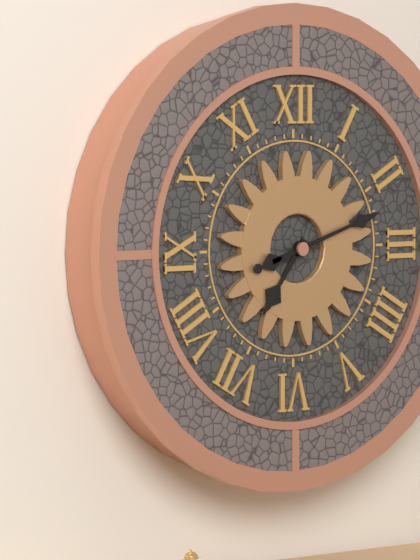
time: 7:12
